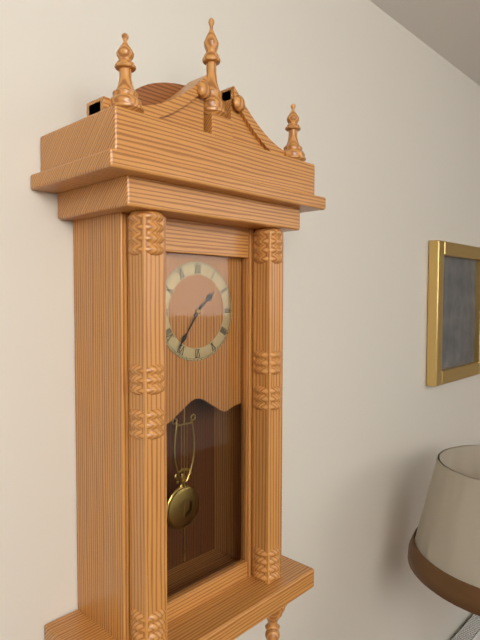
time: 1:36
